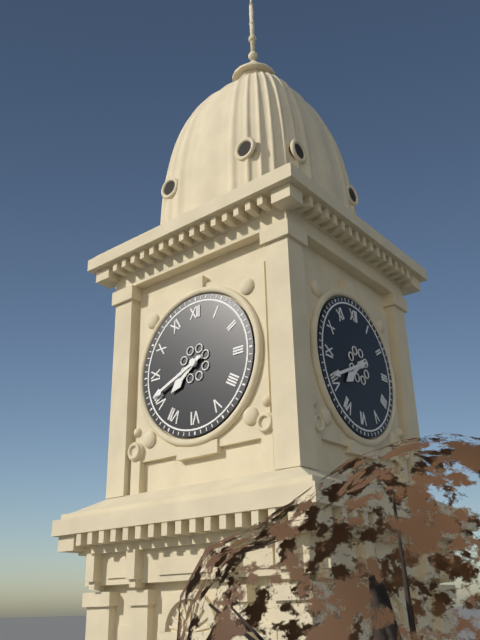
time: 7:41
